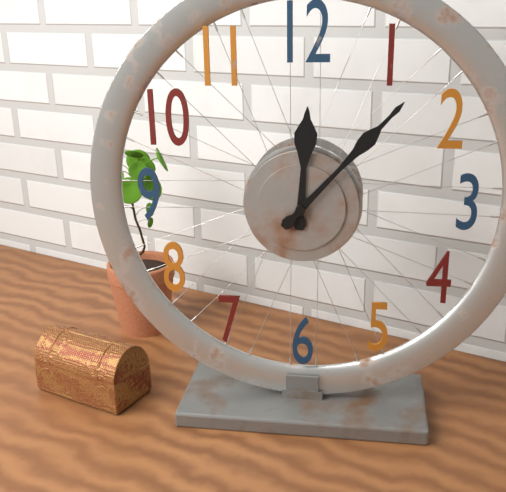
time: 12:07
